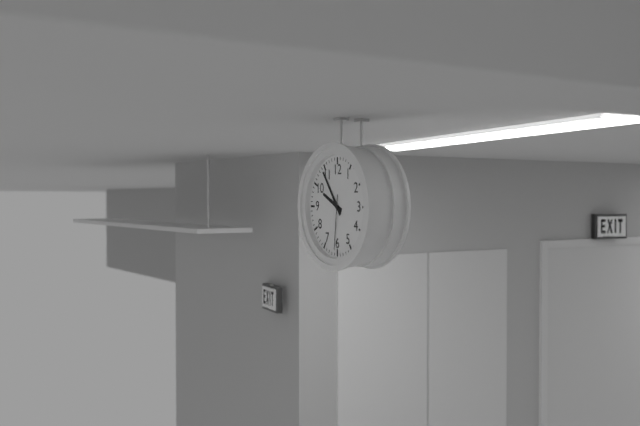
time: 9:54:31
